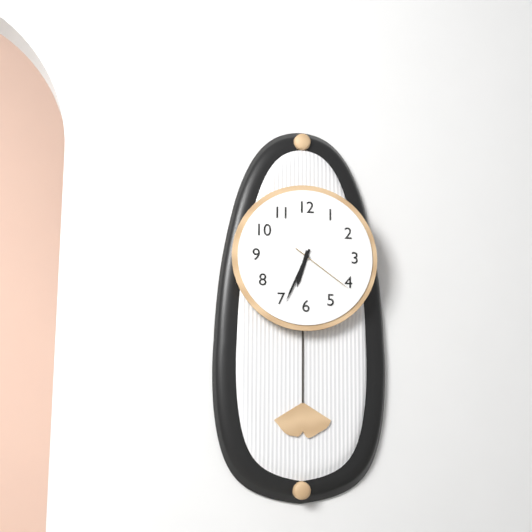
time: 6:34:21
